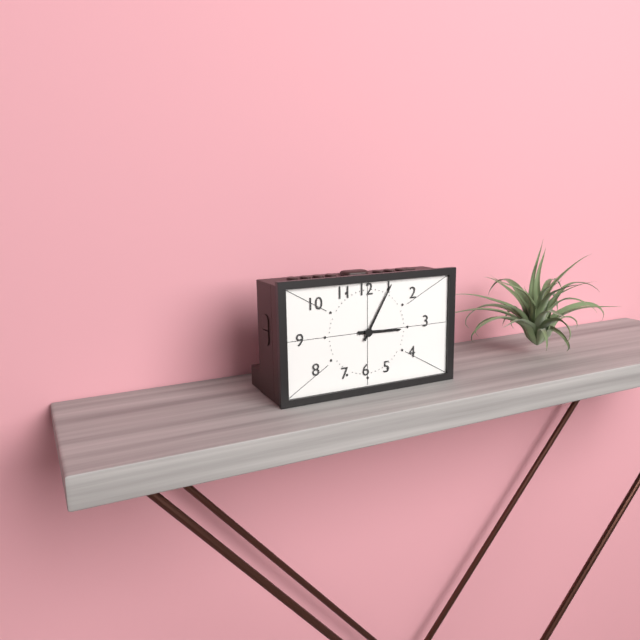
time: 3:05
